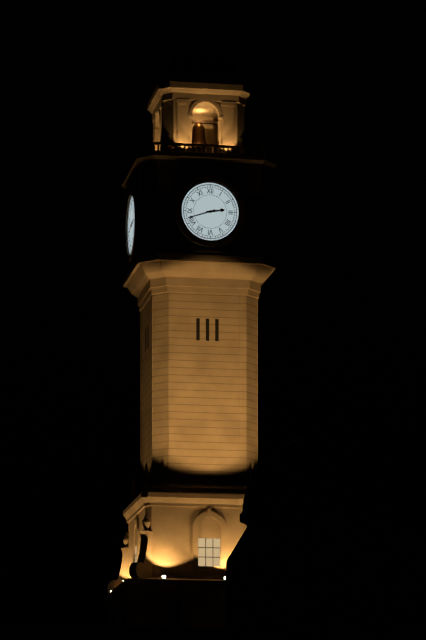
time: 2:42
